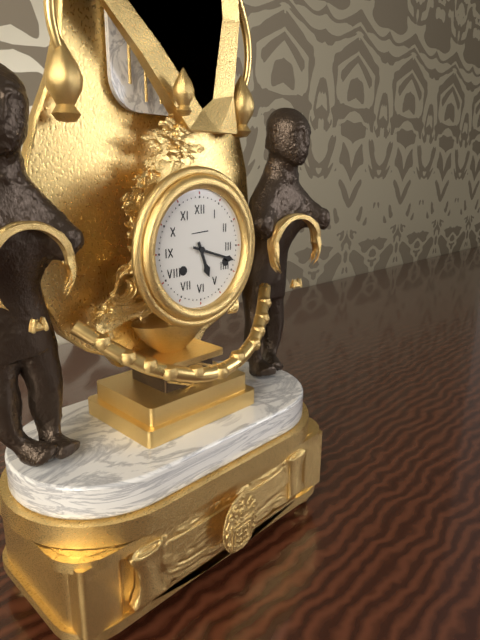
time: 5:18
